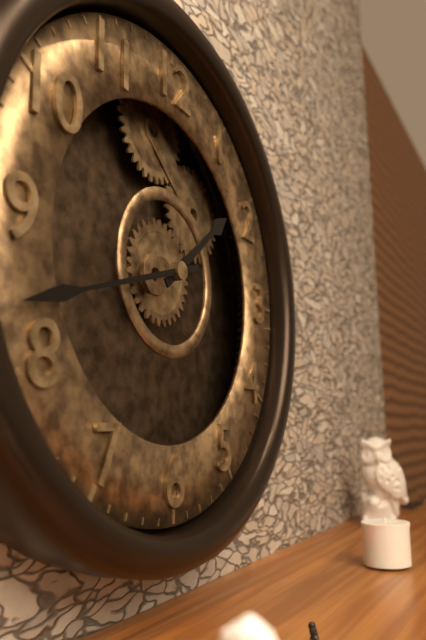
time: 1:42
